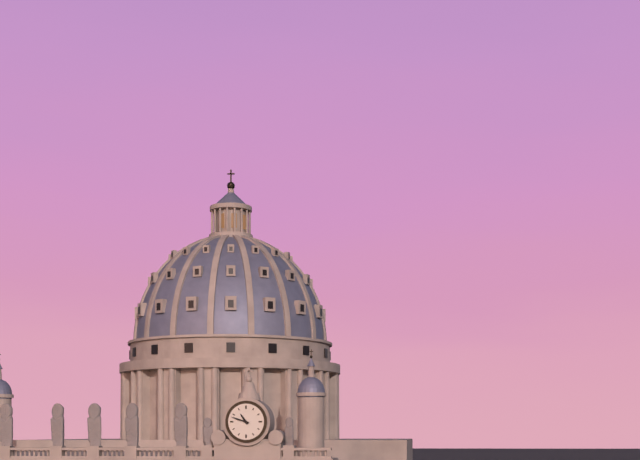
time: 10:48
